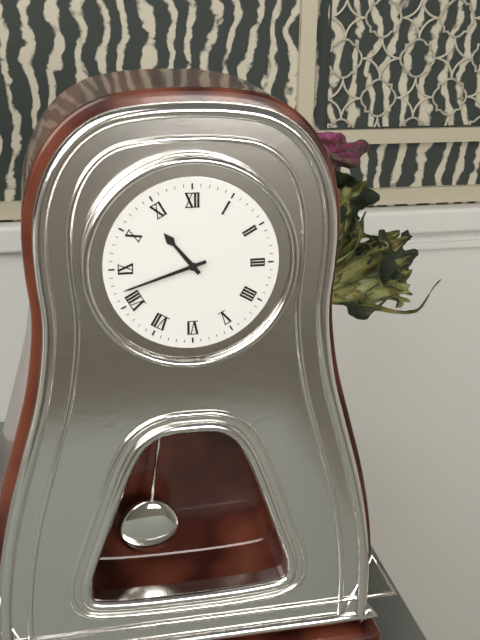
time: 10:42
